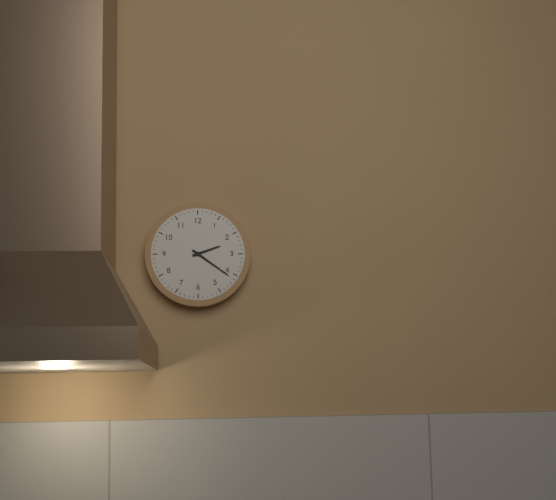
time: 2:21
